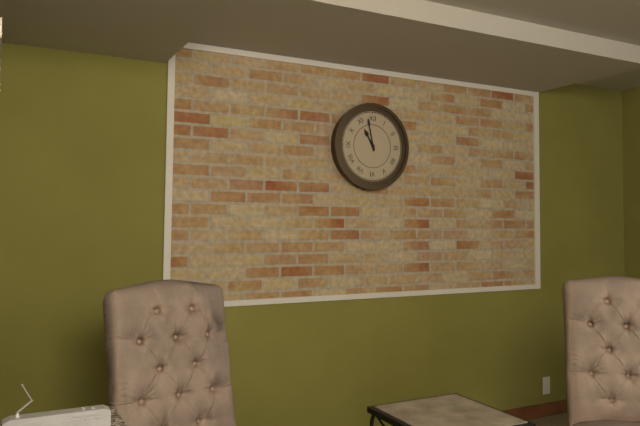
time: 10:58
